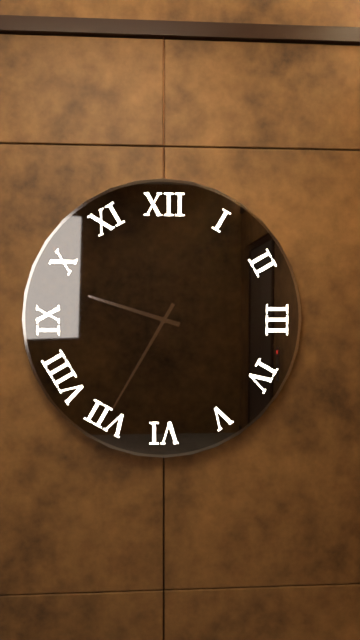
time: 9:35
